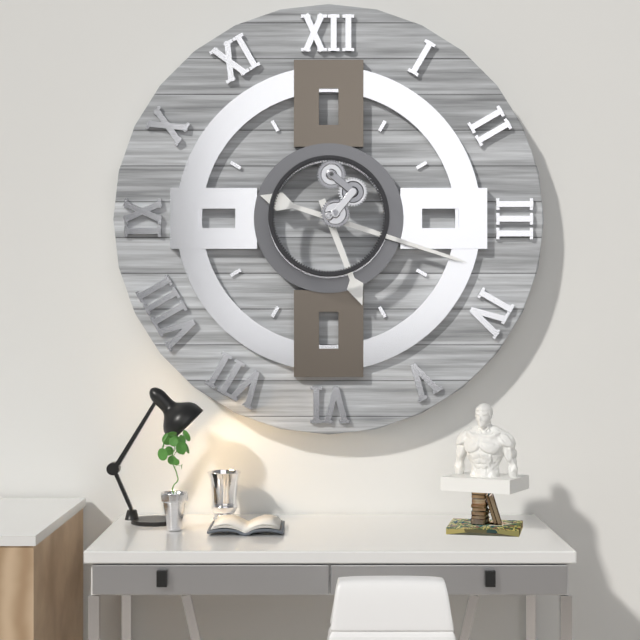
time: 5:18
